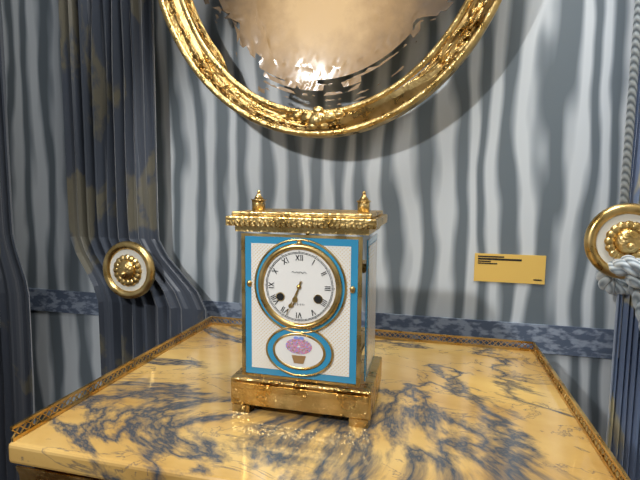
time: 6:34
